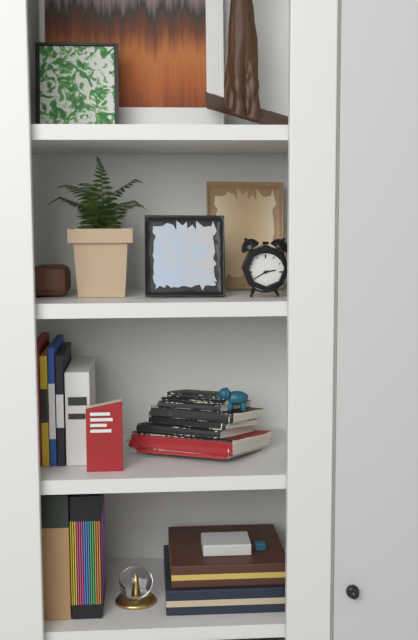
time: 2:40
